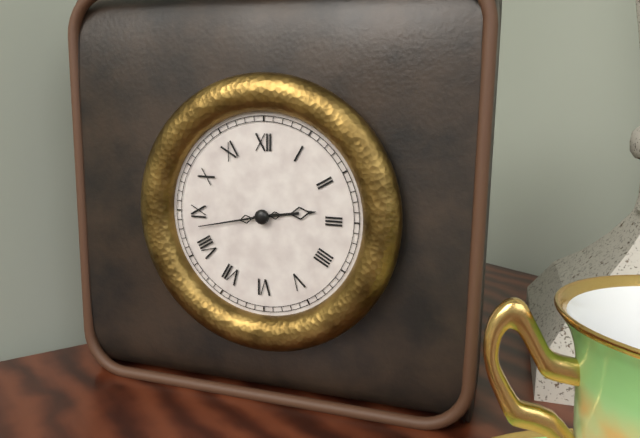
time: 2:43
